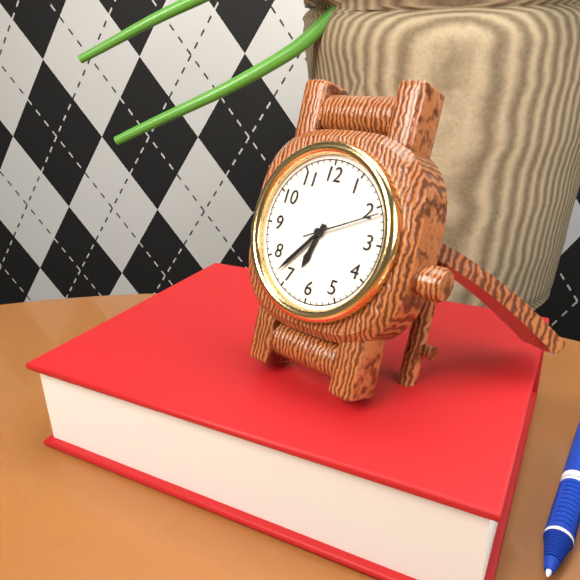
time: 6:37:11
